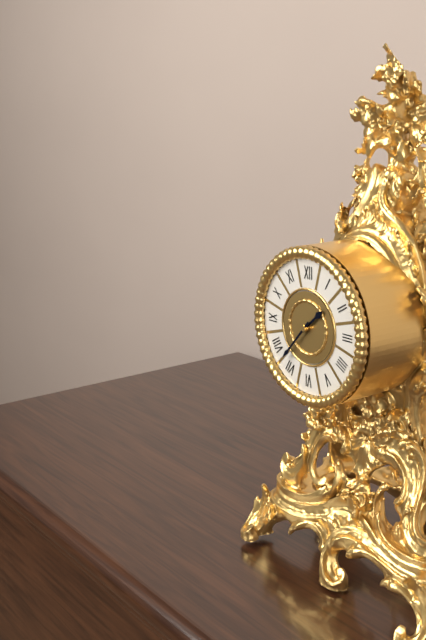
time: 1:37
